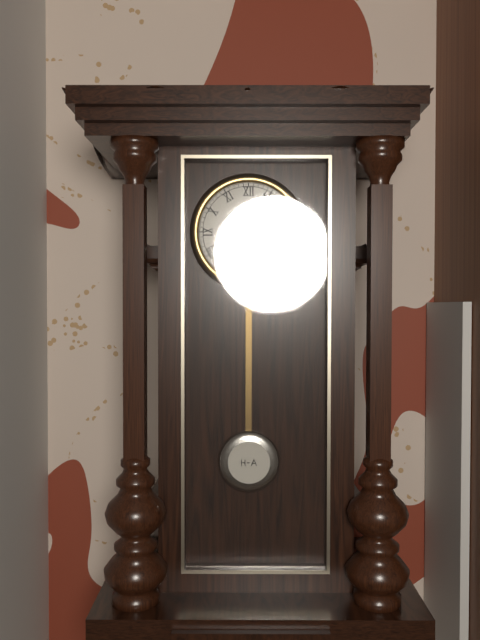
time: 5:04
